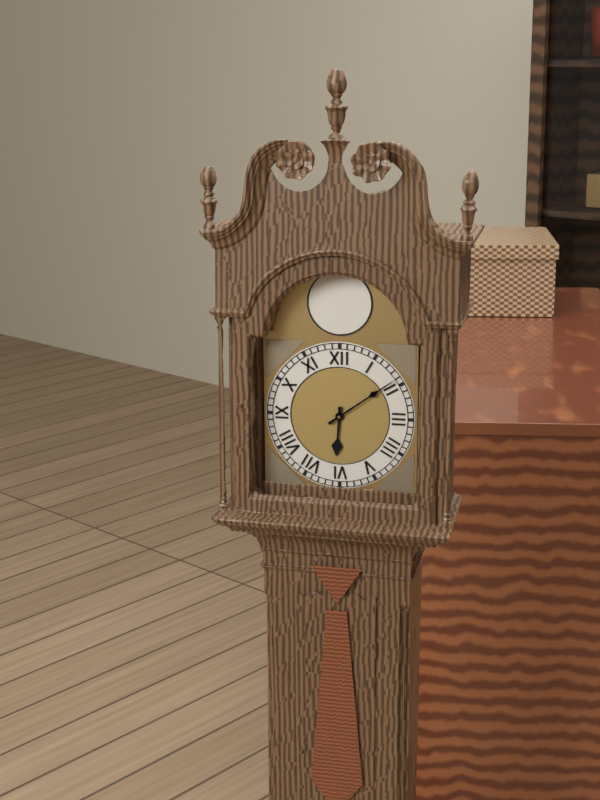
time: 6:09
